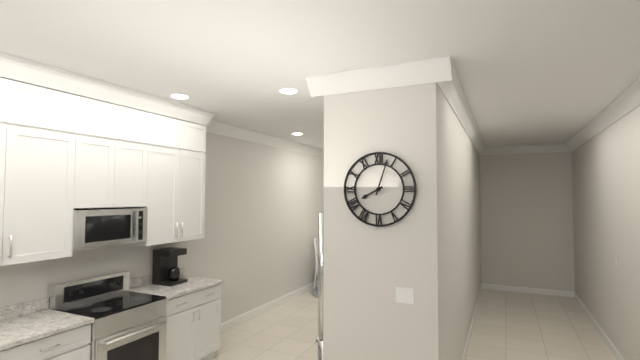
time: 8:03
